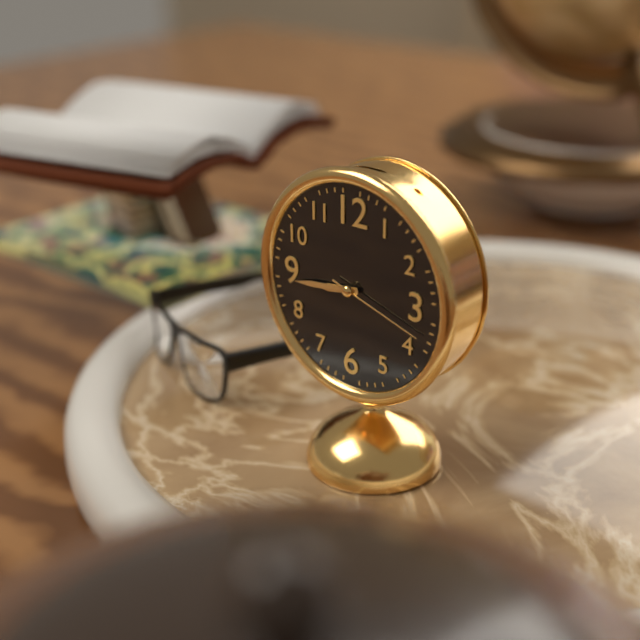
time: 8:44:18
